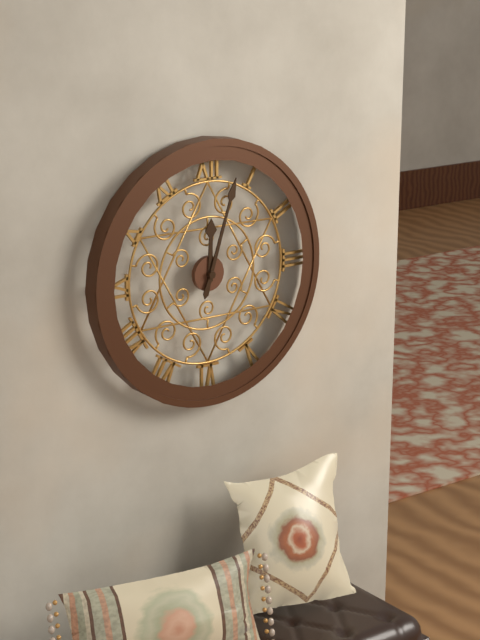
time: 12:03
